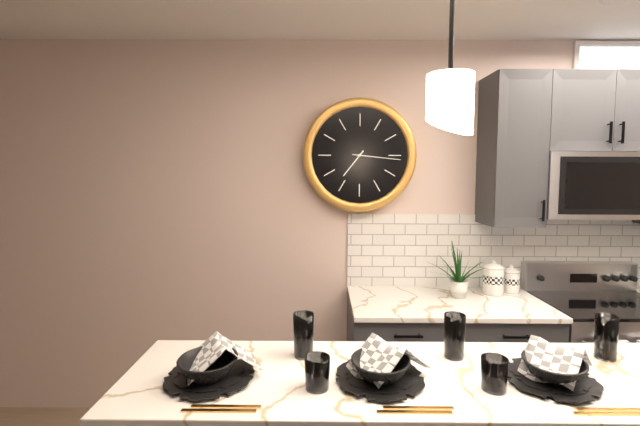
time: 7:16
